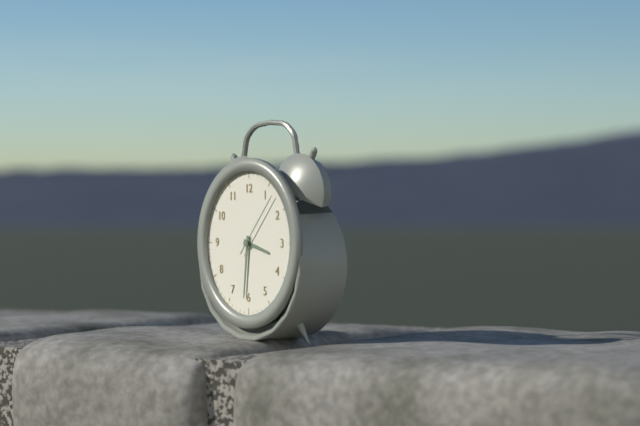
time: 3:31:07
